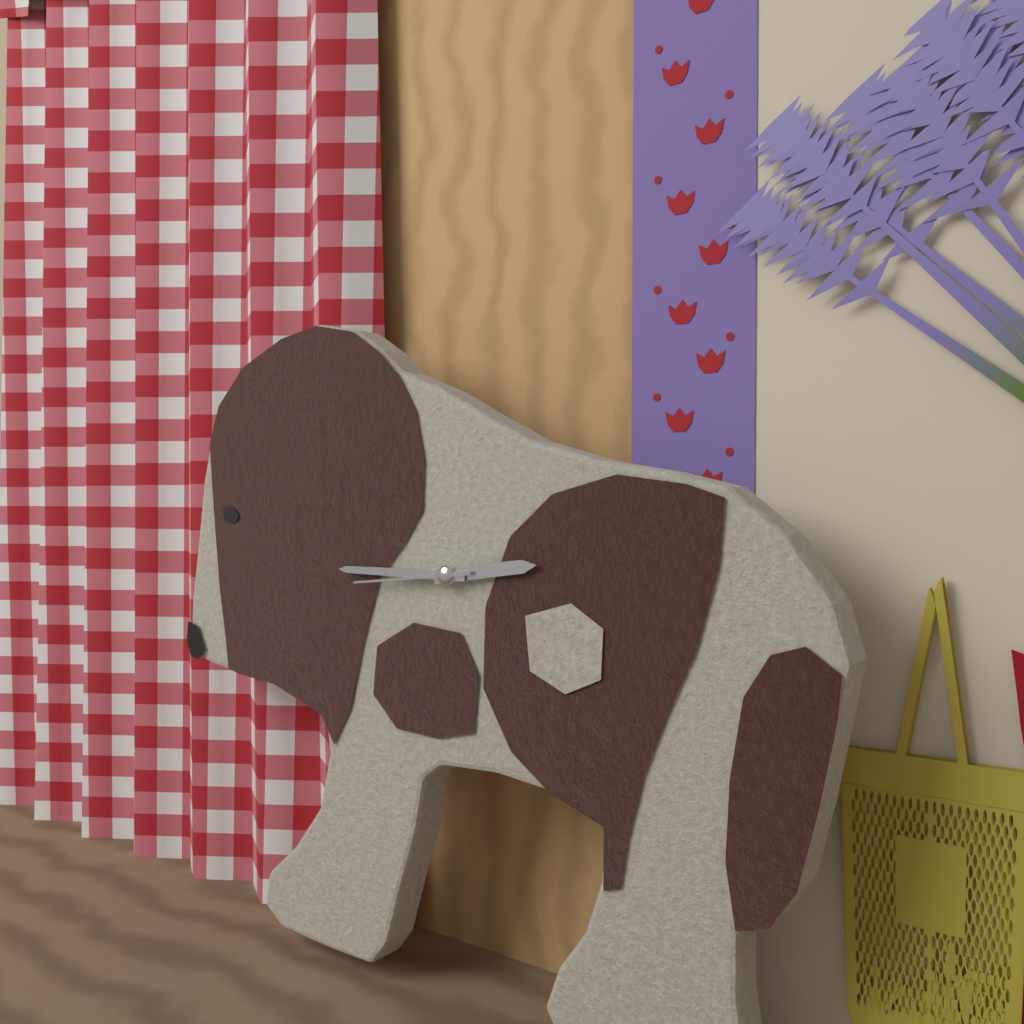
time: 2:45:44
